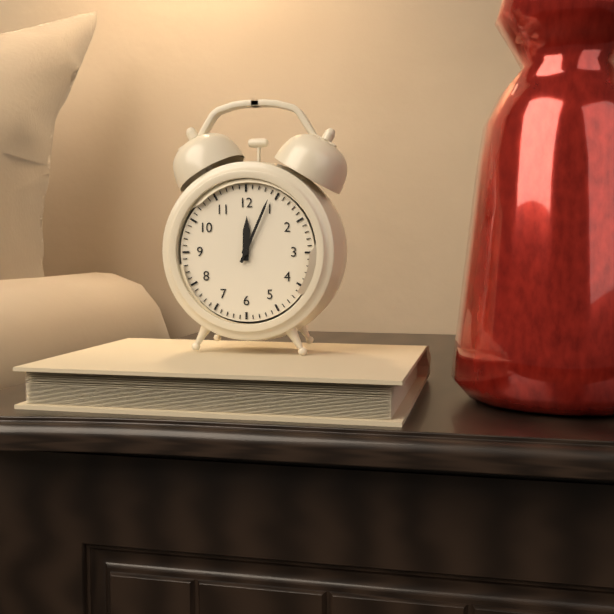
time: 12:04
